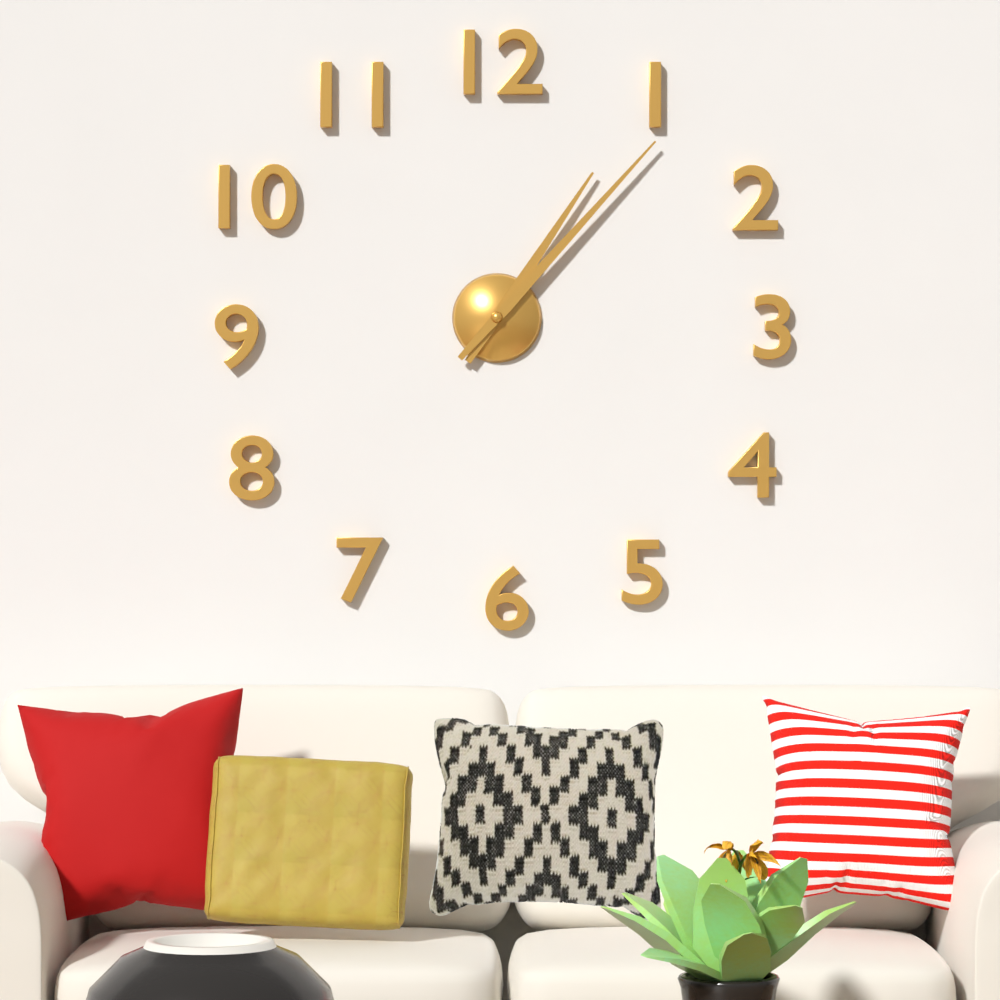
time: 1:07
